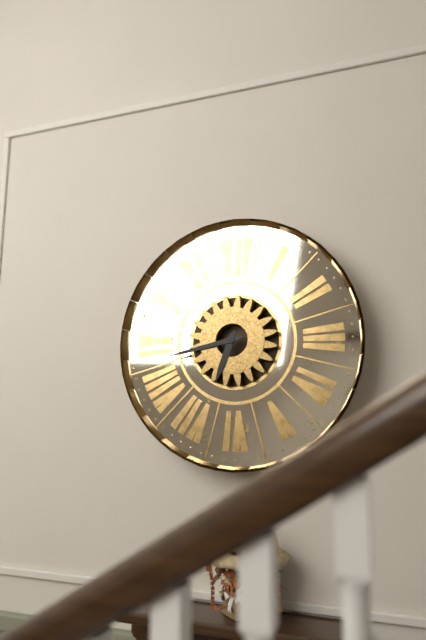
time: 6:43
